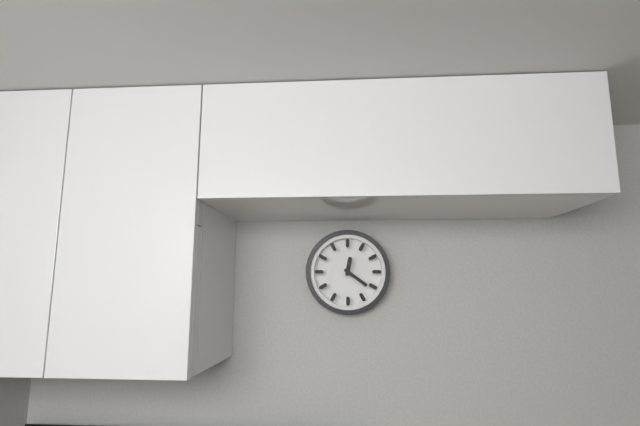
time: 12:21
